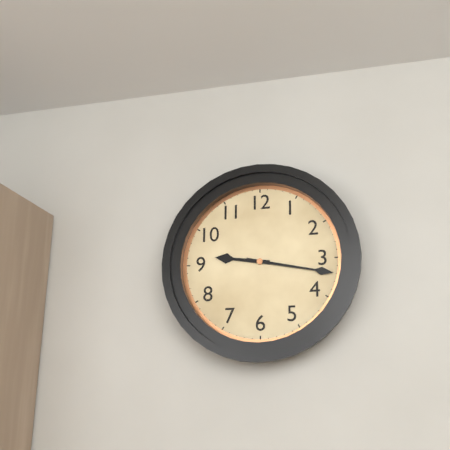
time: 9:17
